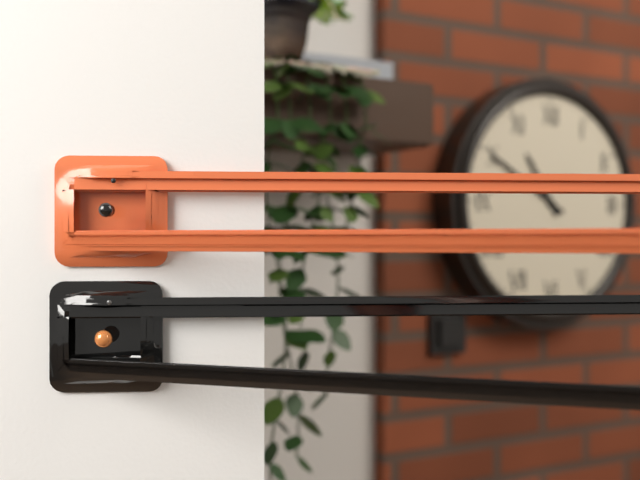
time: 10:50
